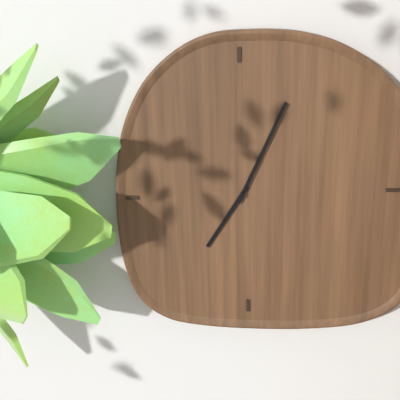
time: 7:04
